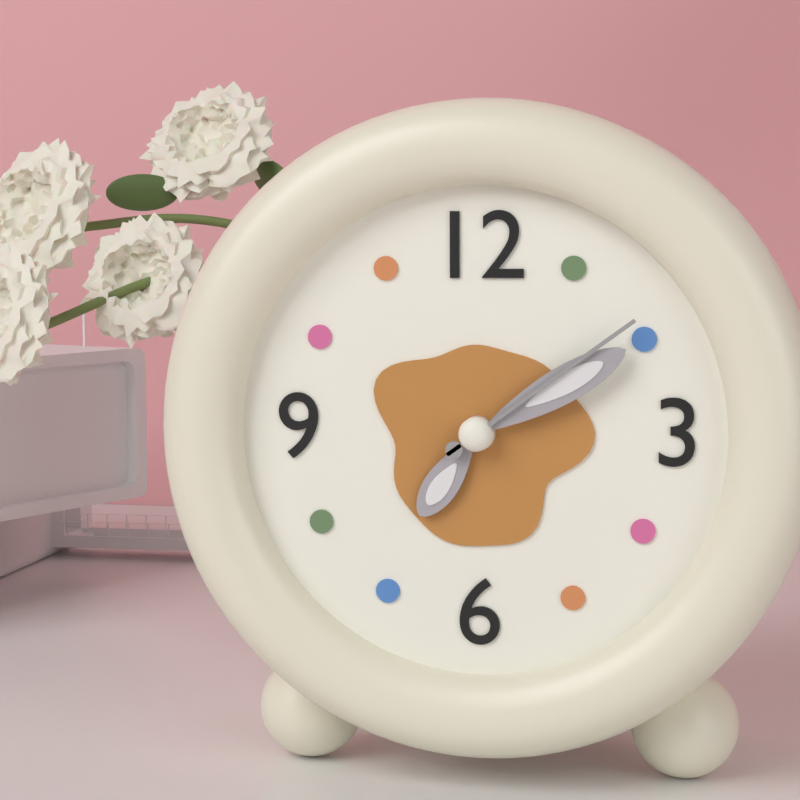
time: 7:10:09
